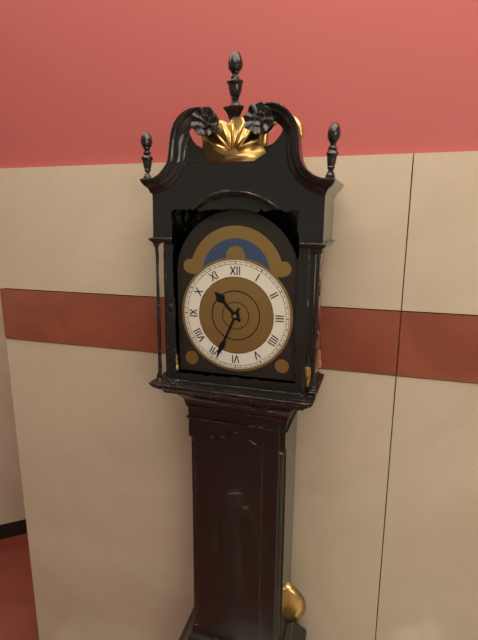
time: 10:34
